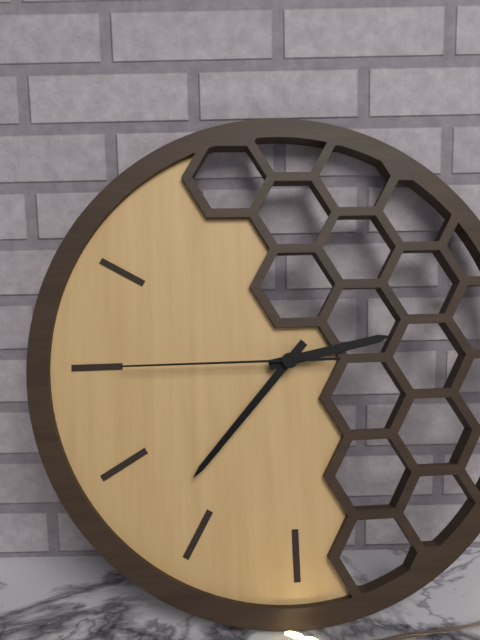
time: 2:37:45
